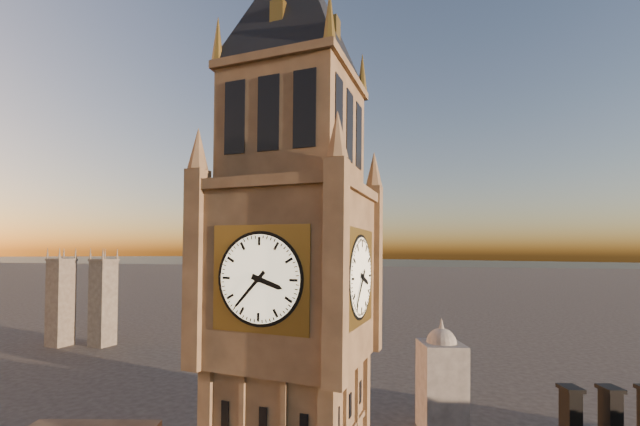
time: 3:37
